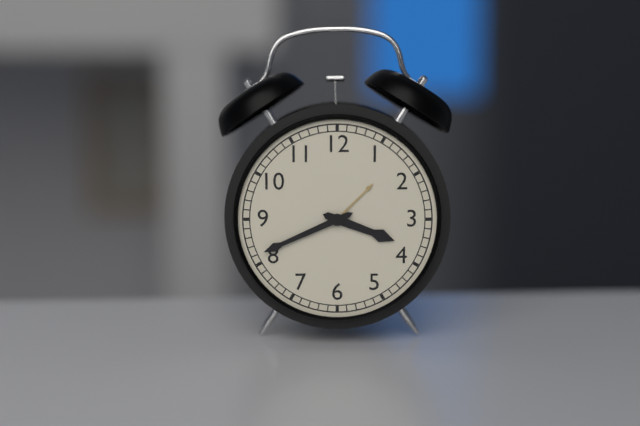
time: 3:41
